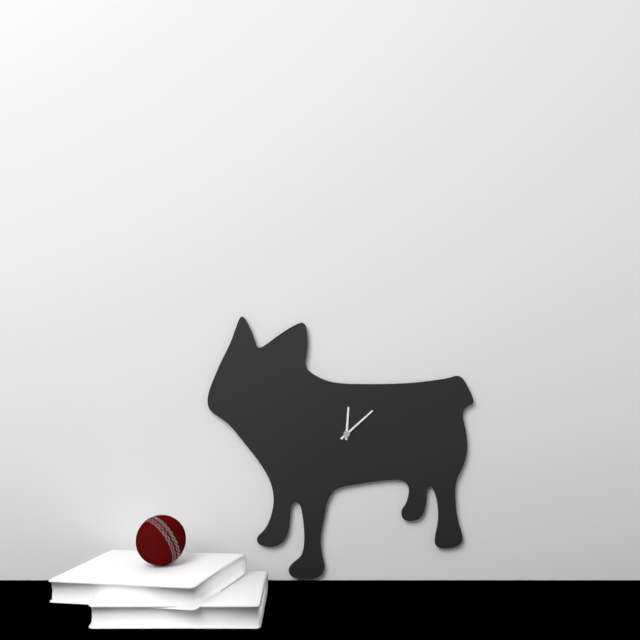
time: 12:08
